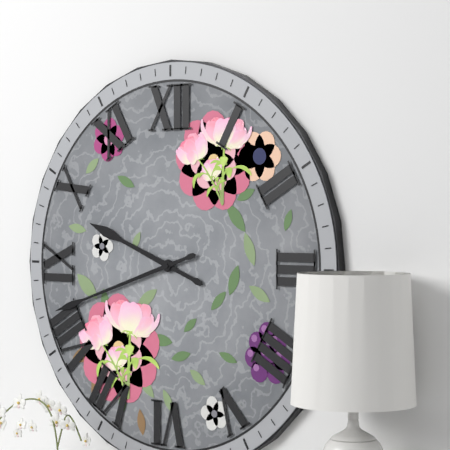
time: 9:42
